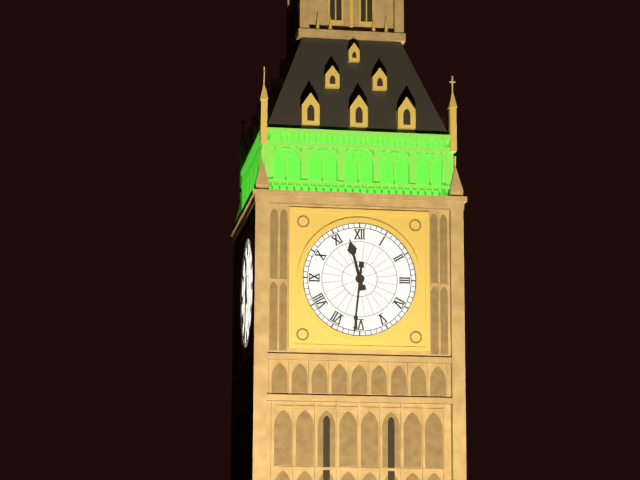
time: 11:31
